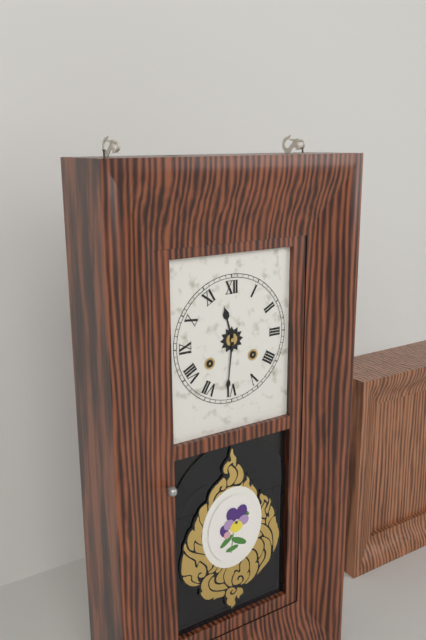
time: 11:31
